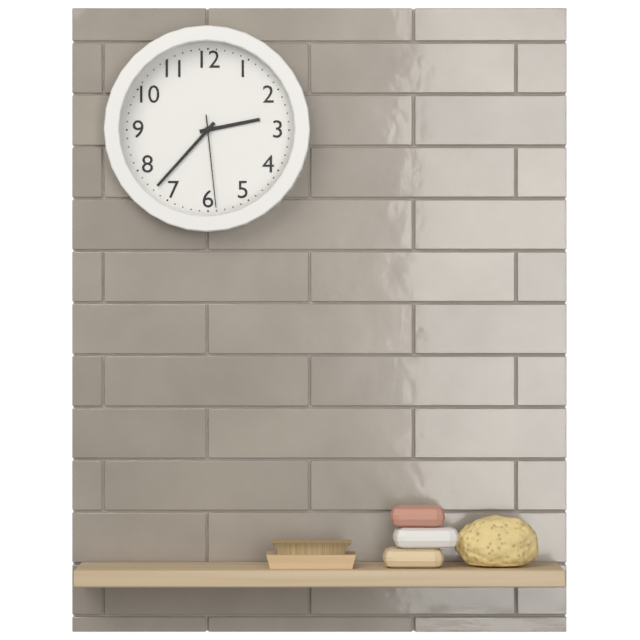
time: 2:37:29
